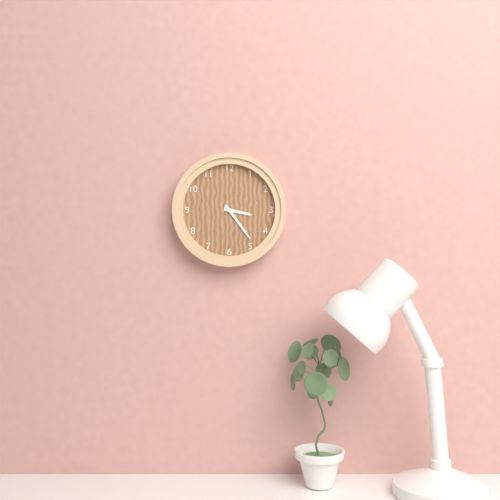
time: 3:24
